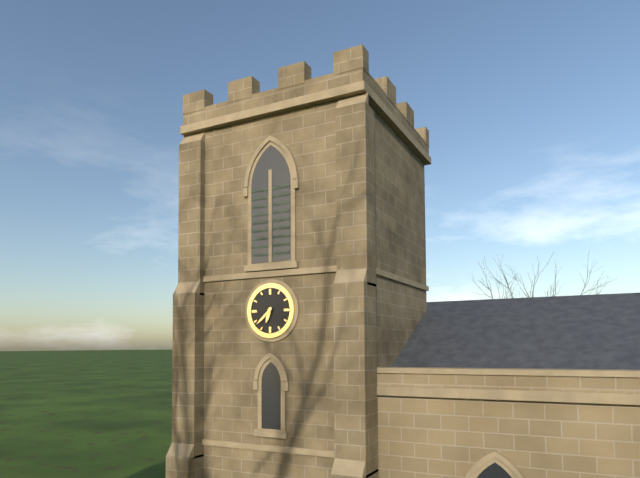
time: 6:38
